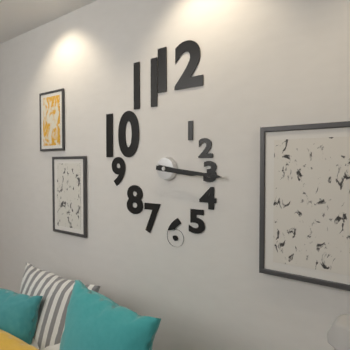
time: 3:16
